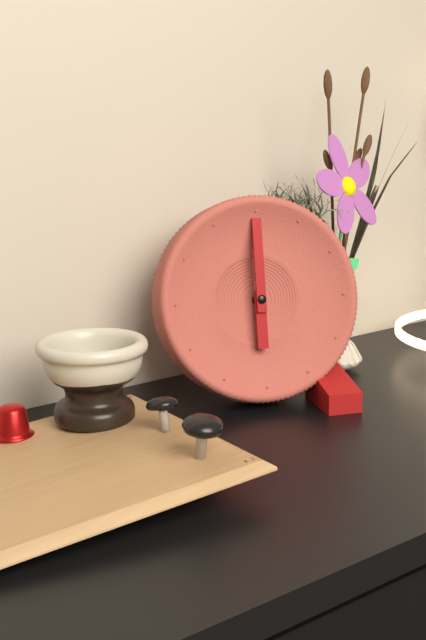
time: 6:00
